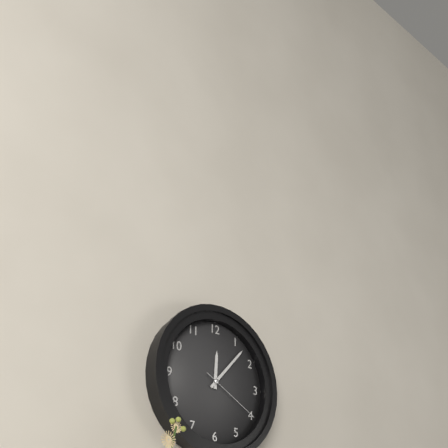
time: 12:07:20
